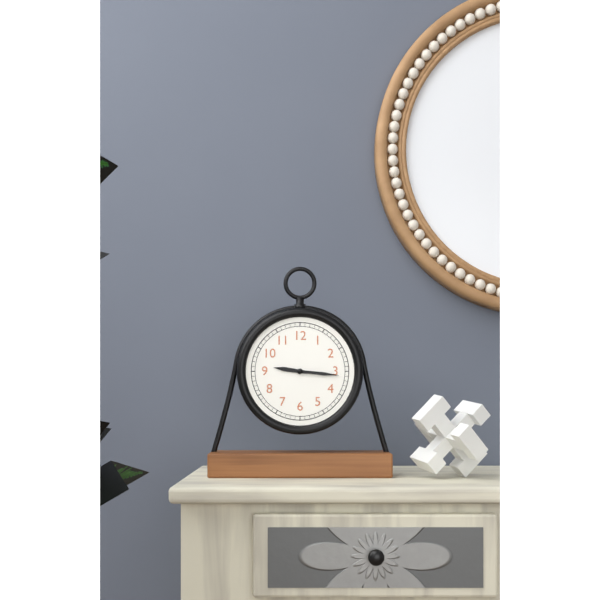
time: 9:16
